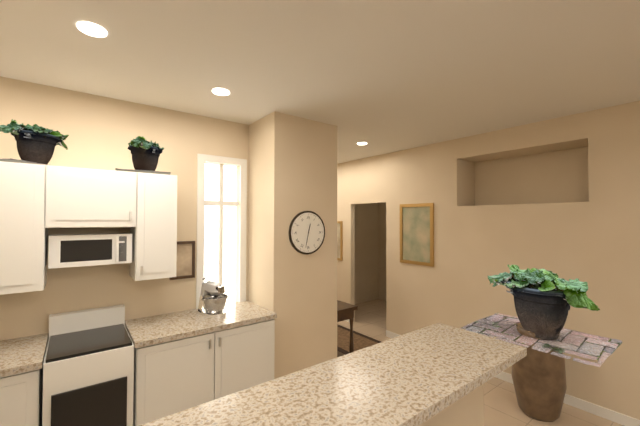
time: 12:32
